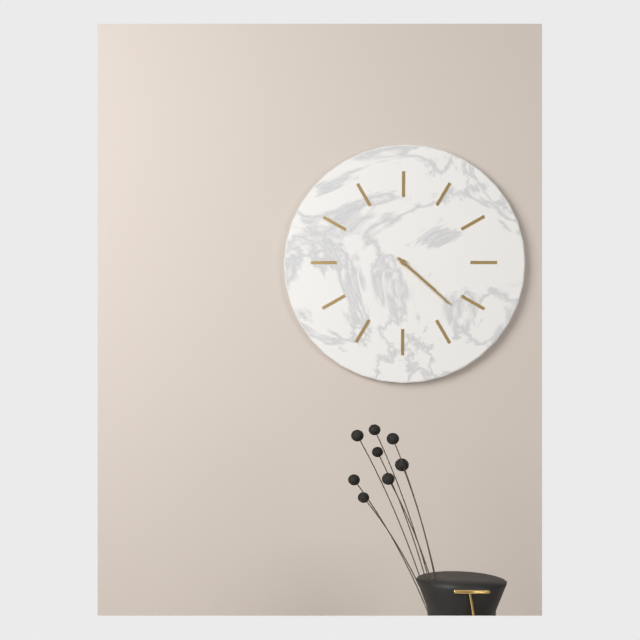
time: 4:22
